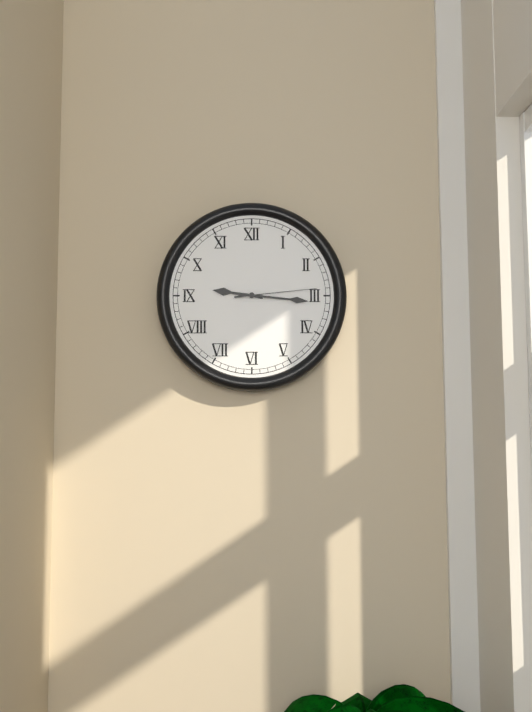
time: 9:16:14
